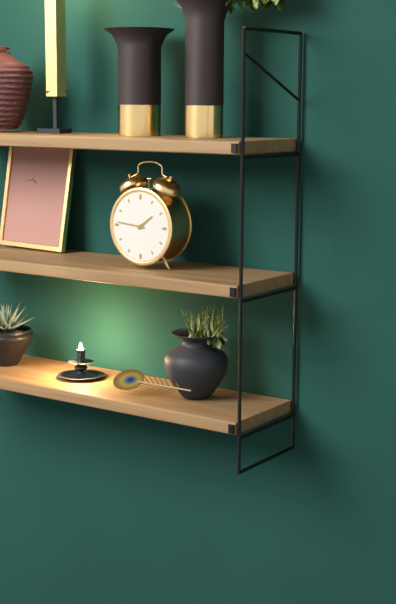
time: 1:46
